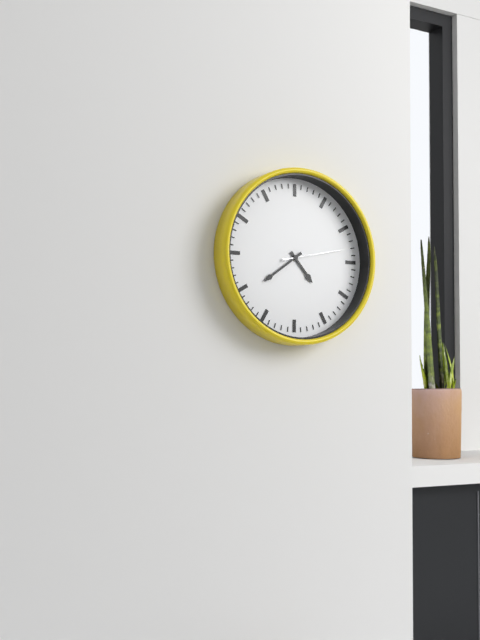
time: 4:39:13
